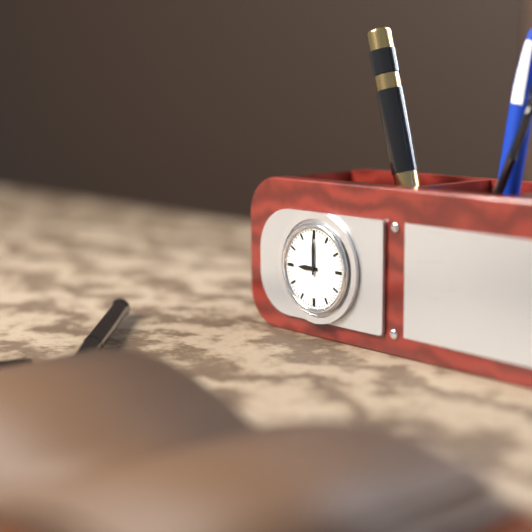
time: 9:00
